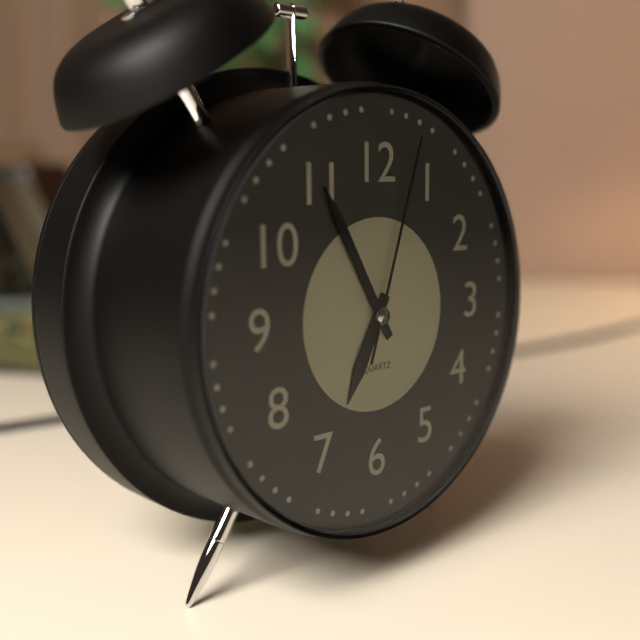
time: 6:55:03
